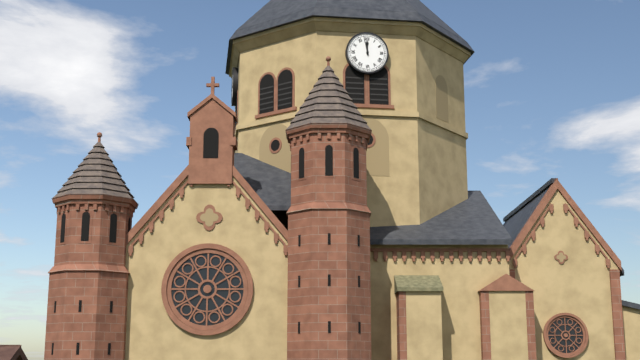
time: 11:58
